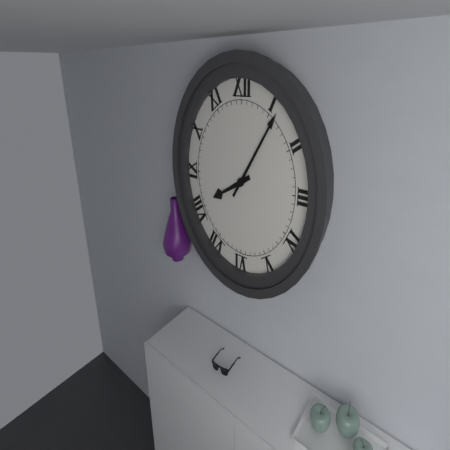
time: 8:06
